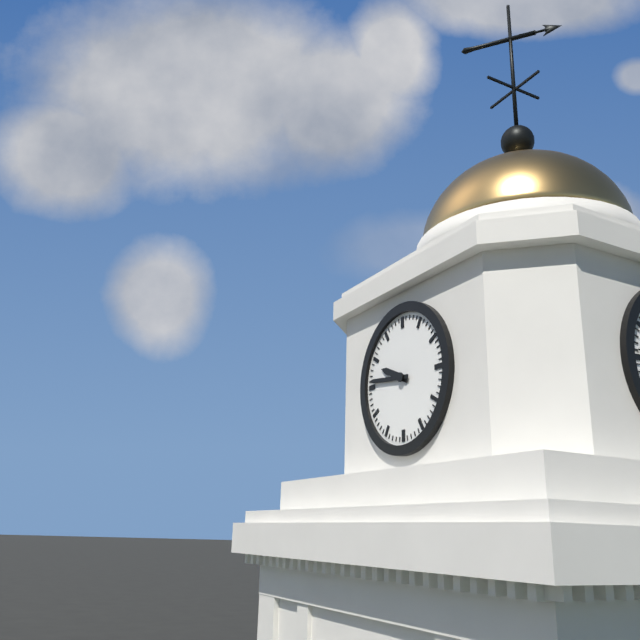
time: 9:46
